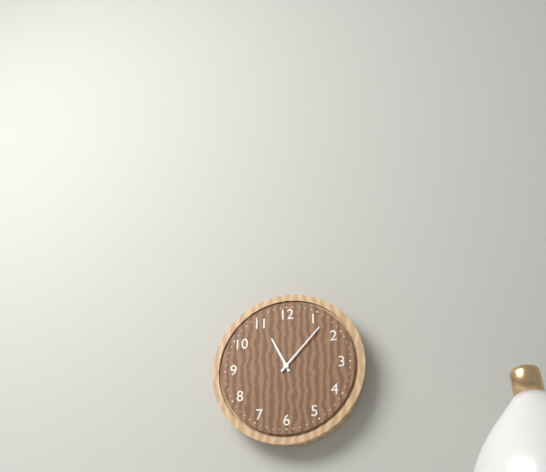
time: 11:07
